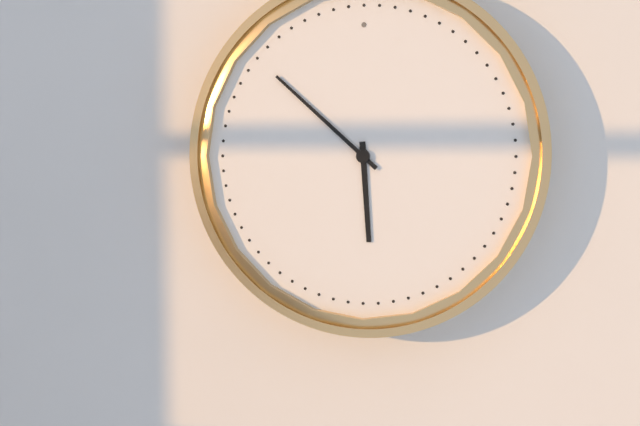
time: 5:52
